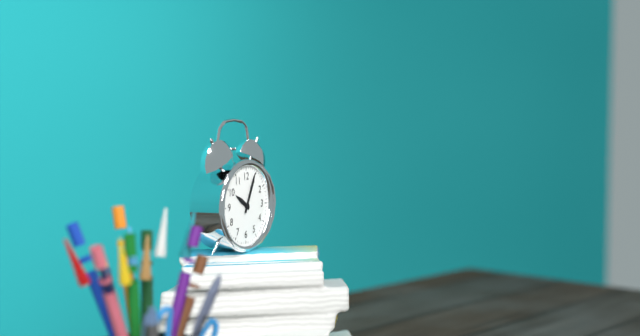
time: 10:04
